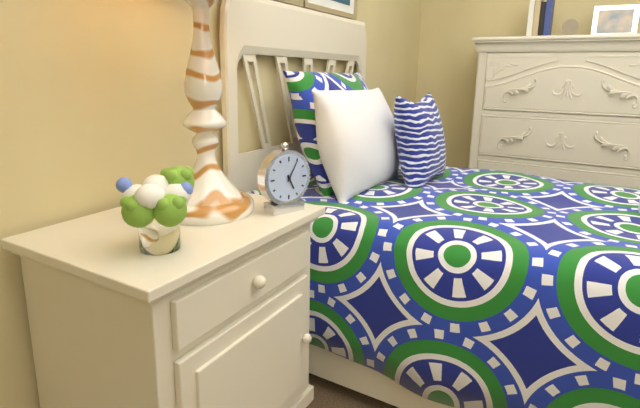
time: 5:05
